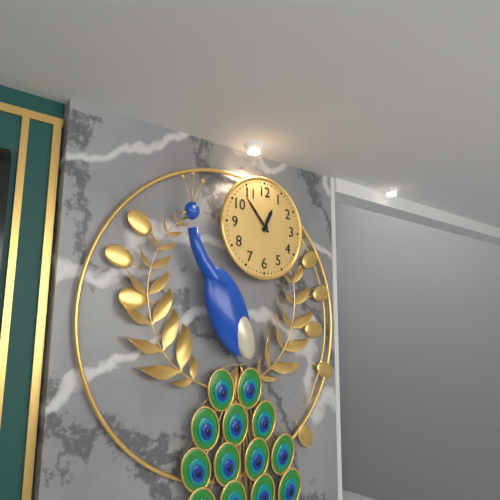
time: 12:53
